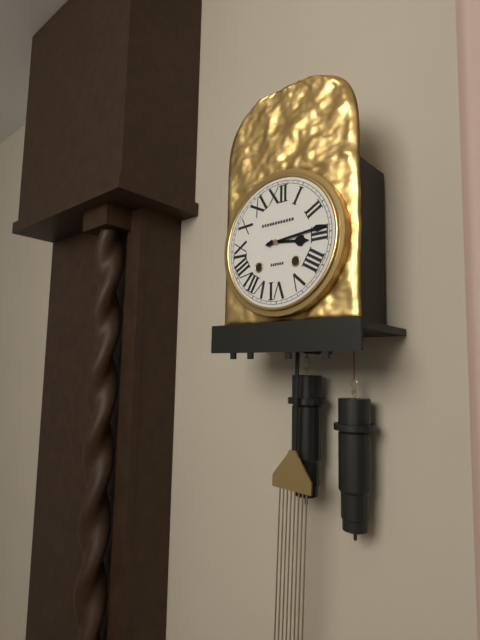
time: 3:14
